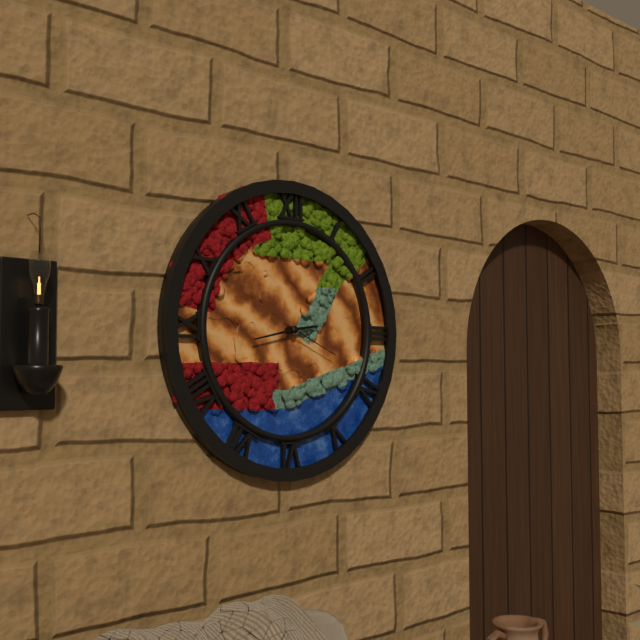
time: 2:43:19
